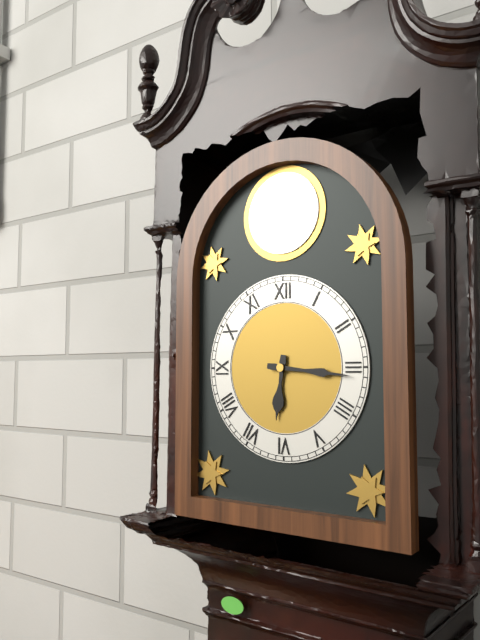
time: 6:16
